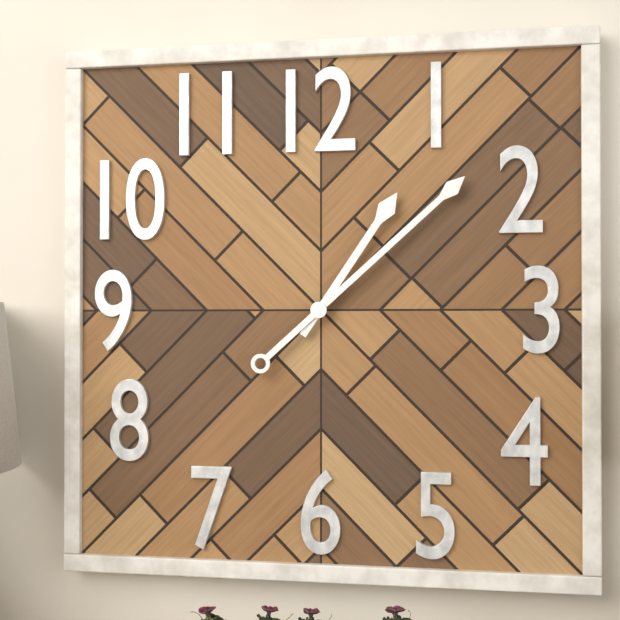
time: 1:08
